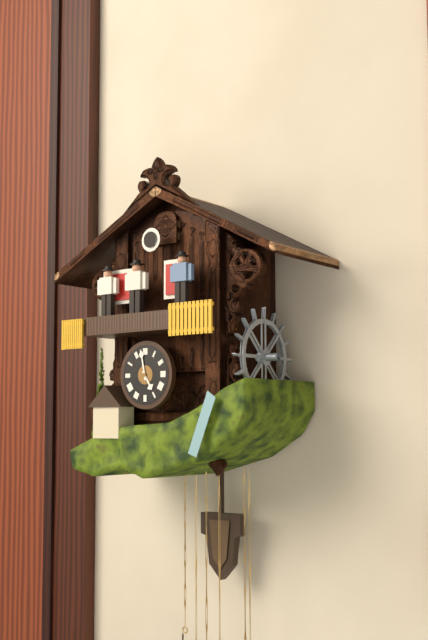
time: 4:58
